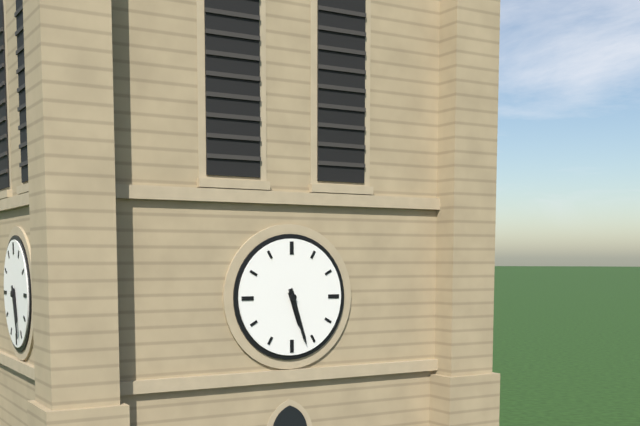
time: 5:27
